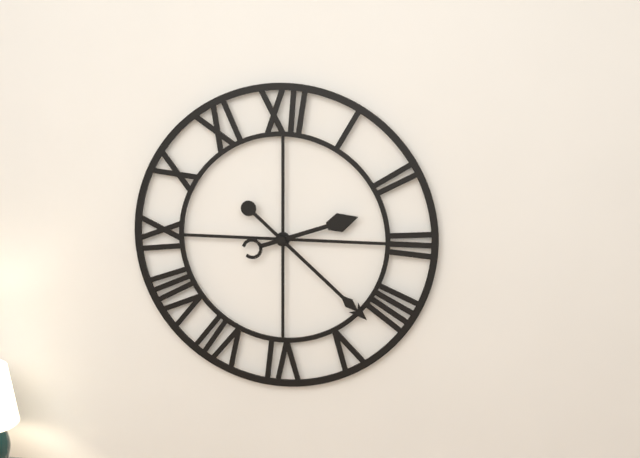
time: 2:22
